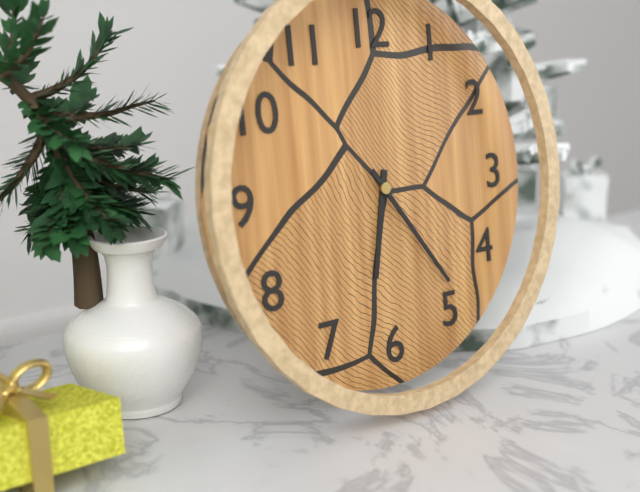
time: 6:24
